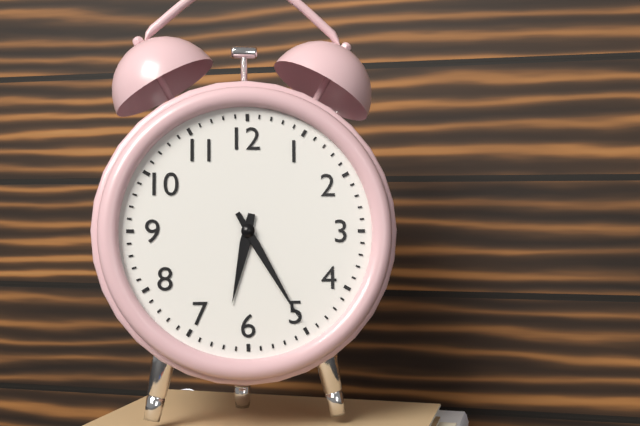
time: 6:25
